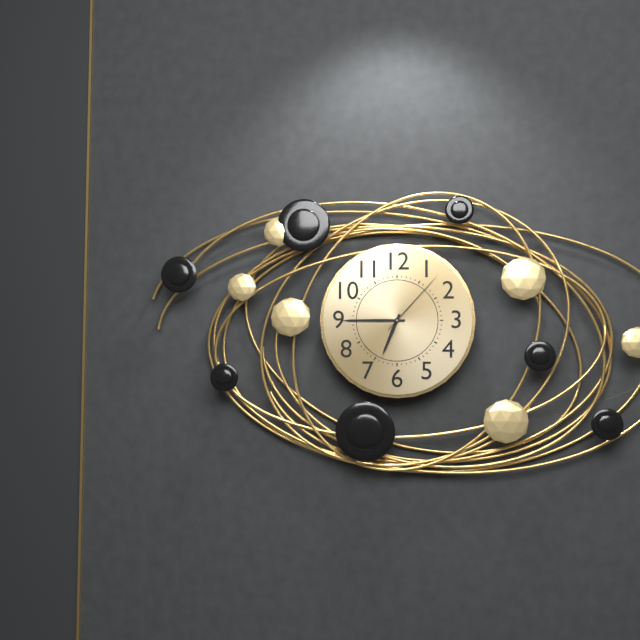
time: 6:45:07
